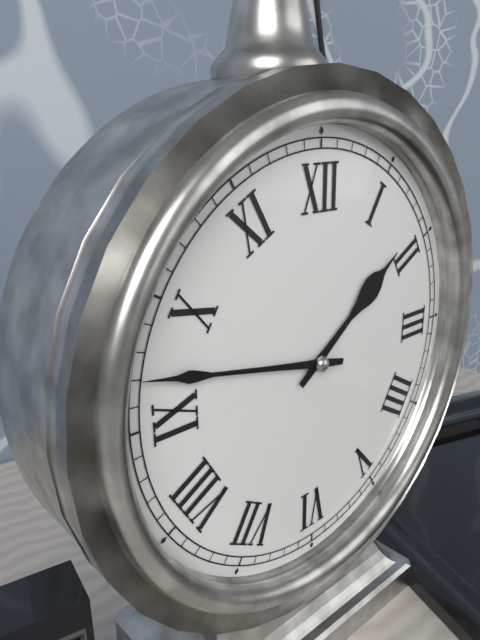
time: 1:47
